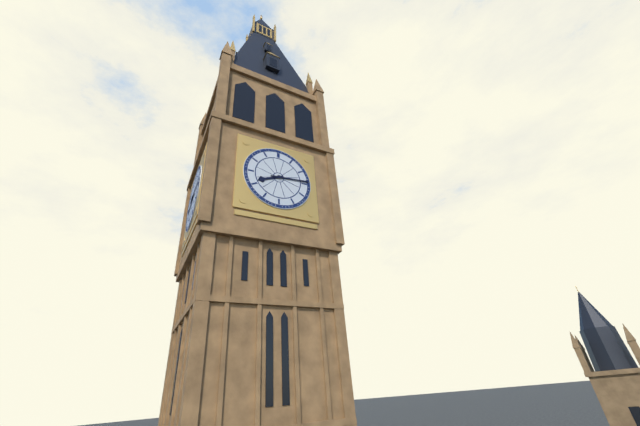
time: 8:14
